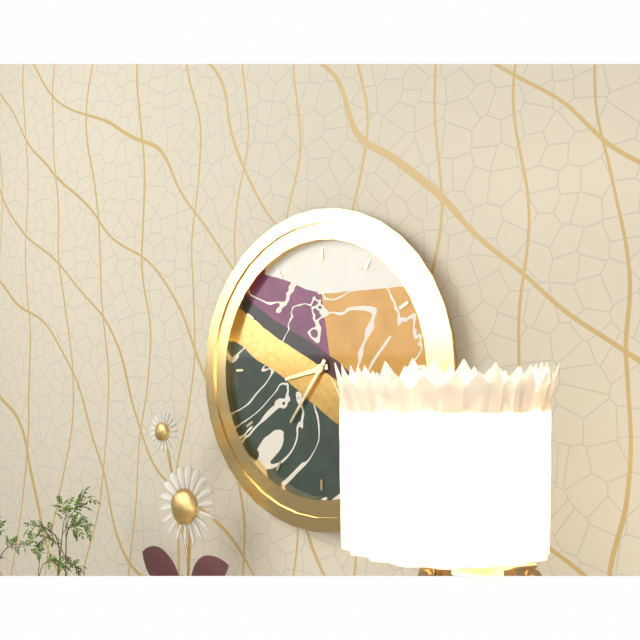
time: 8:36
